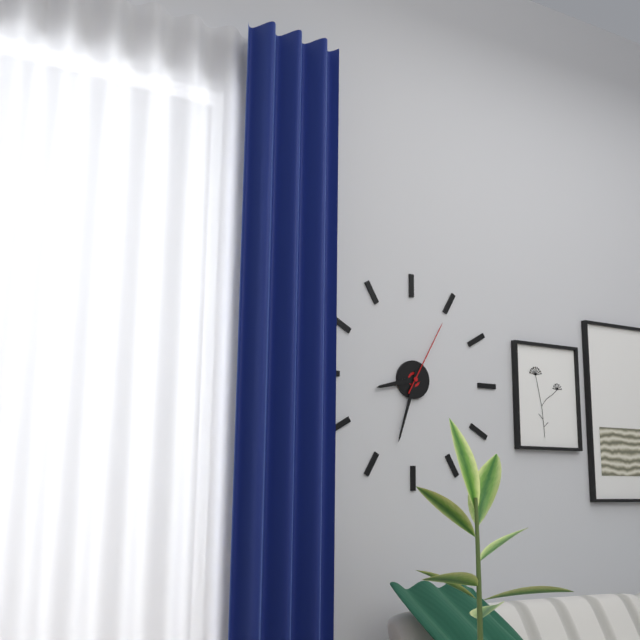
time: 8:33:05
